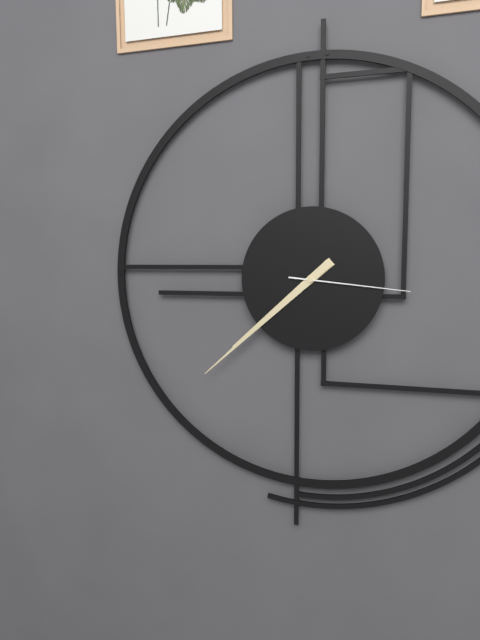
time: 7:38:16
